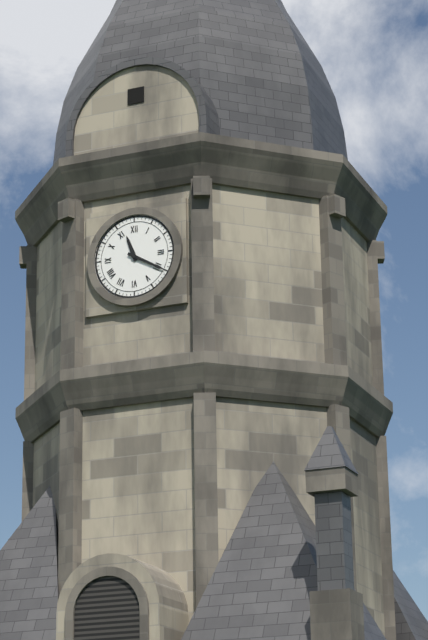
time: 11:20
